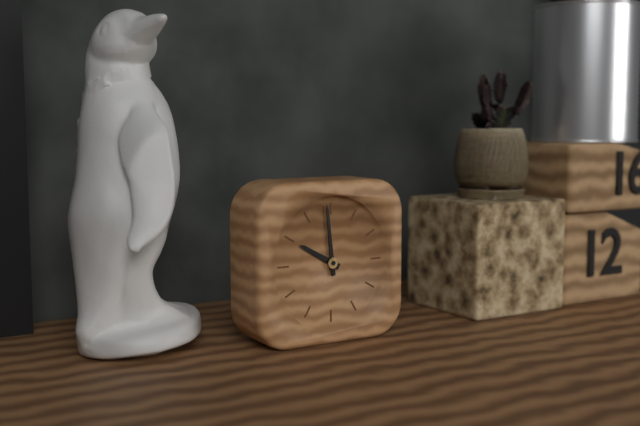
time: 9:59
